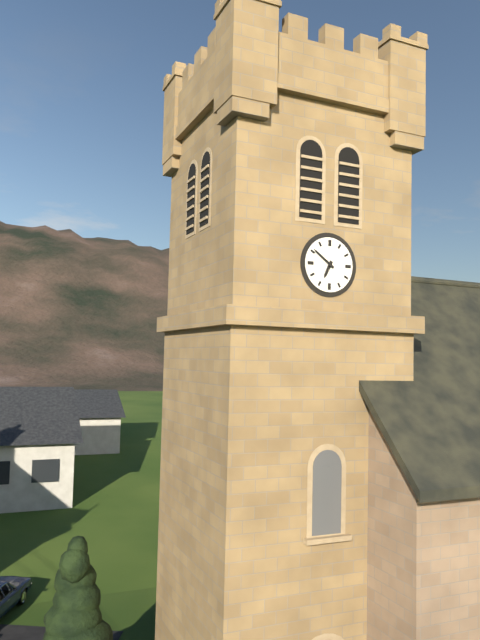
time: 6:51
